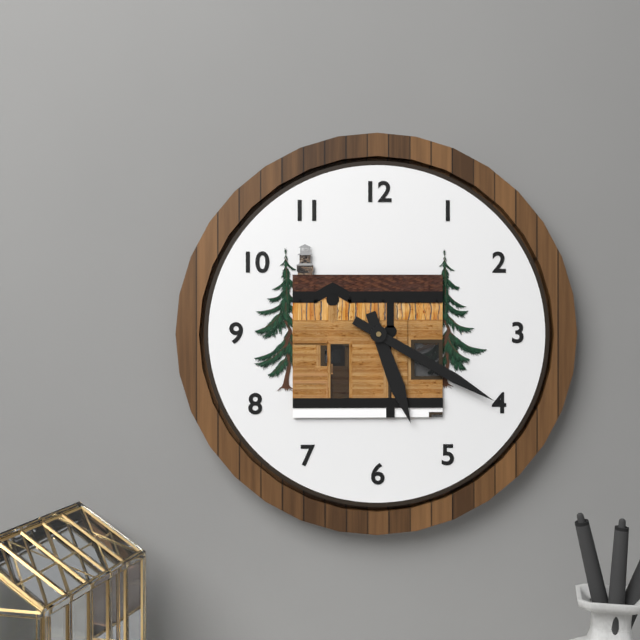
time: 5:20
